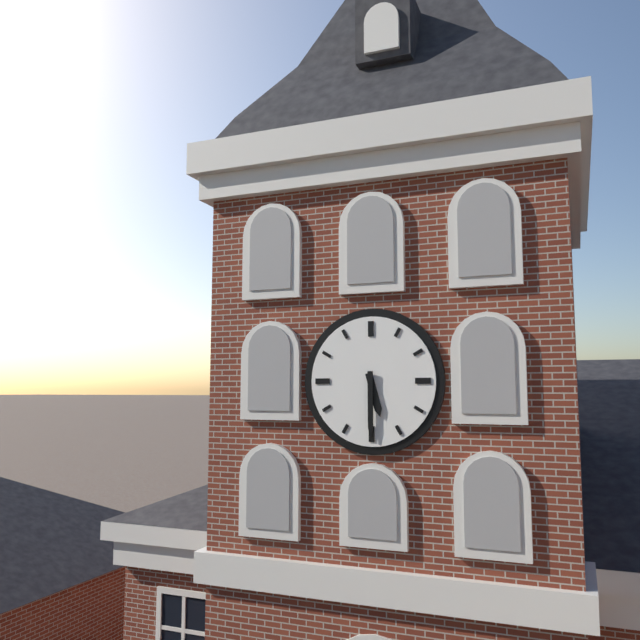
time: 5:30
